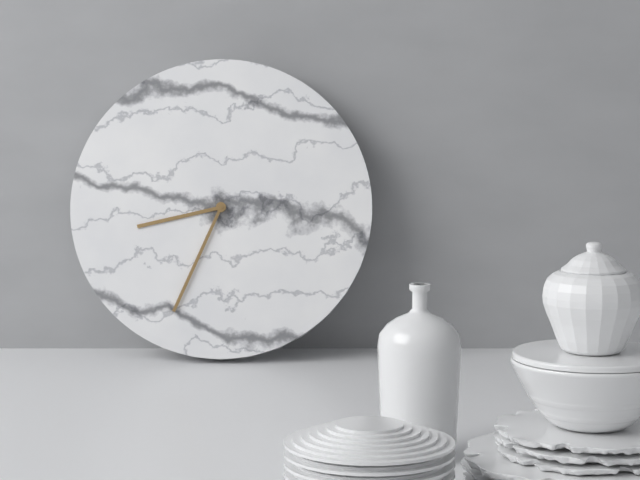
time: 8:34
